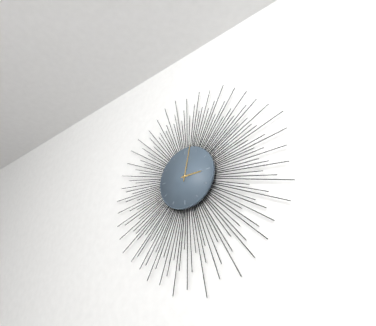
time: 3:02
